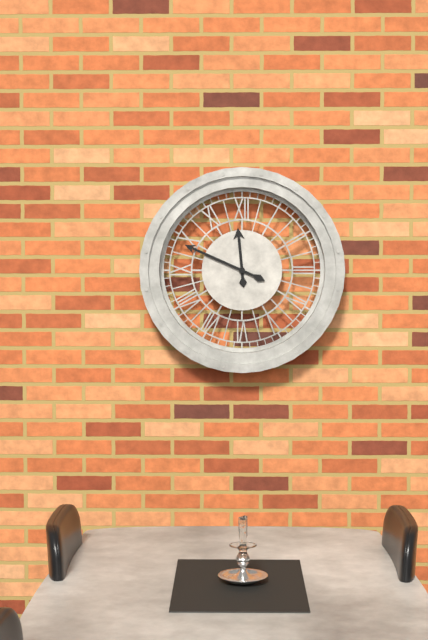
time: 11:49
